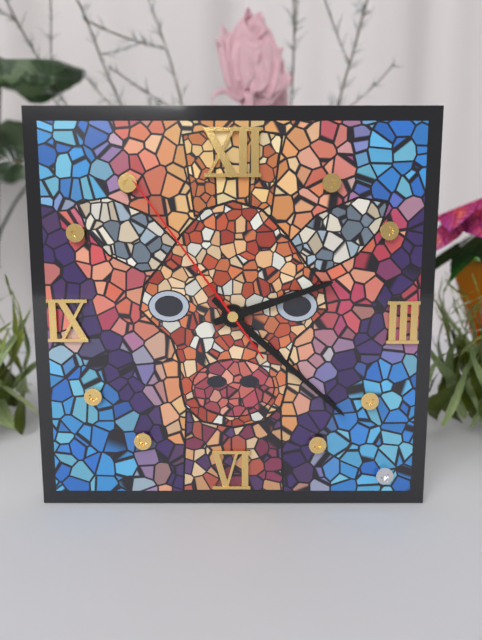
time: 2:22:54
